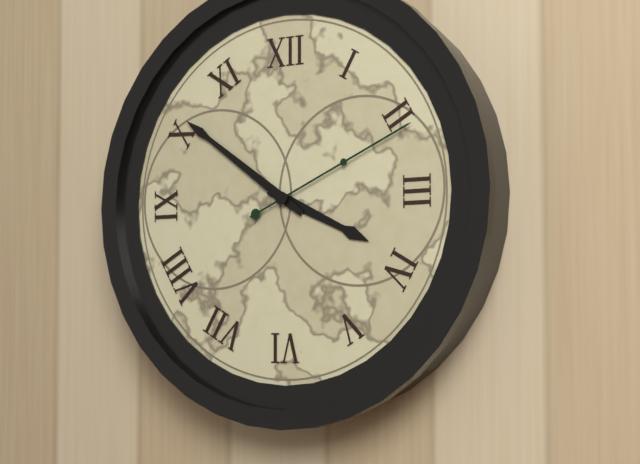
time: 3:51:11
